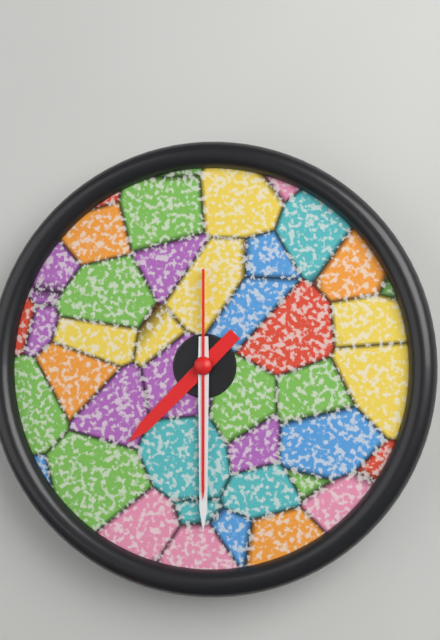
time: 7:30:30
